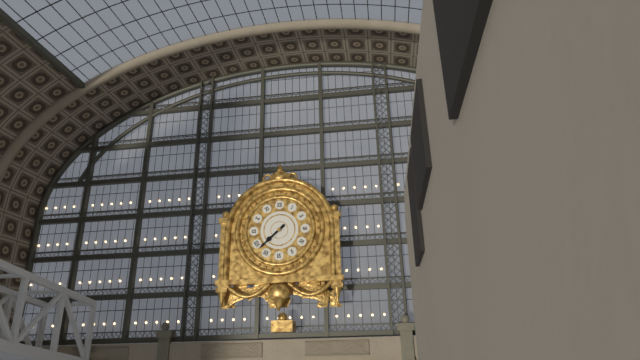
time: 7:38
